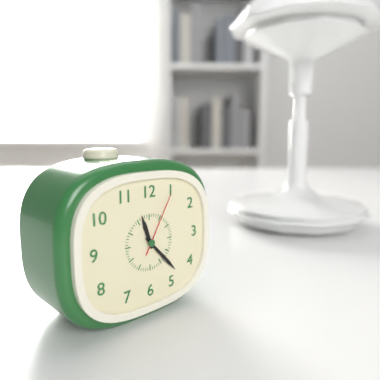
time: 11:23:05
